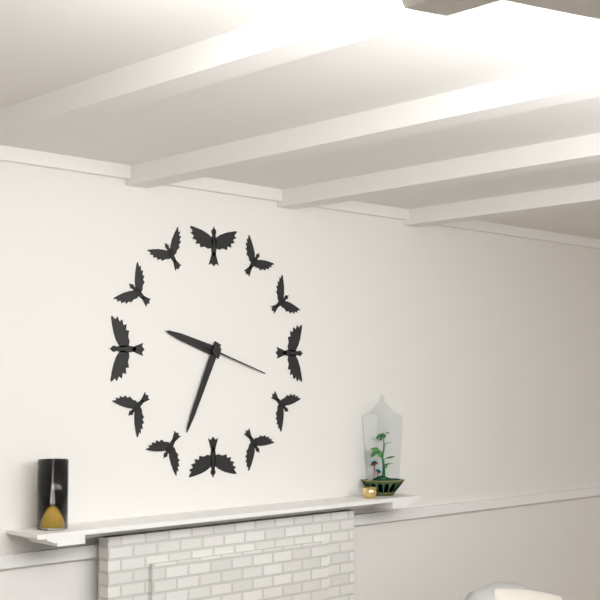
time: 9:34:18
